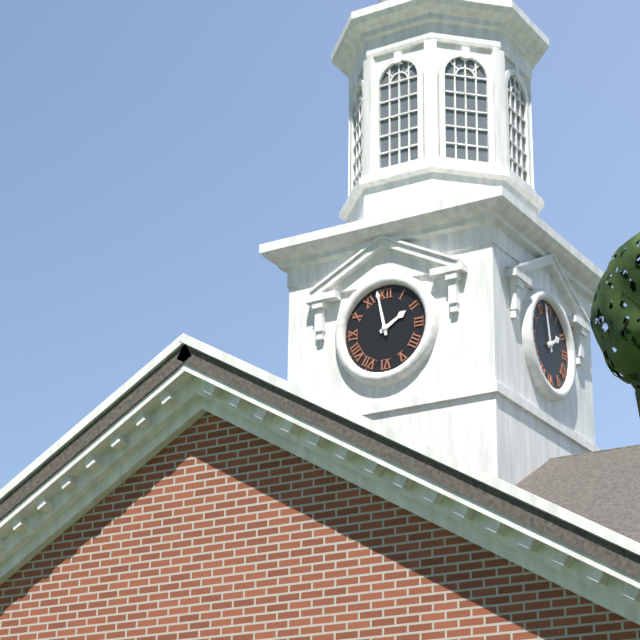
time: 1:58
